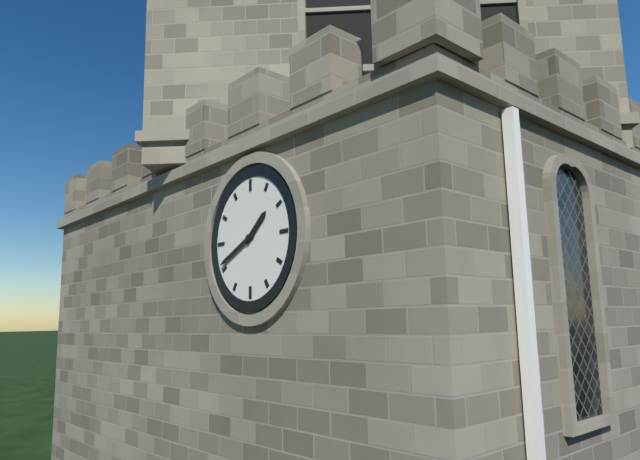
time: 1:41
